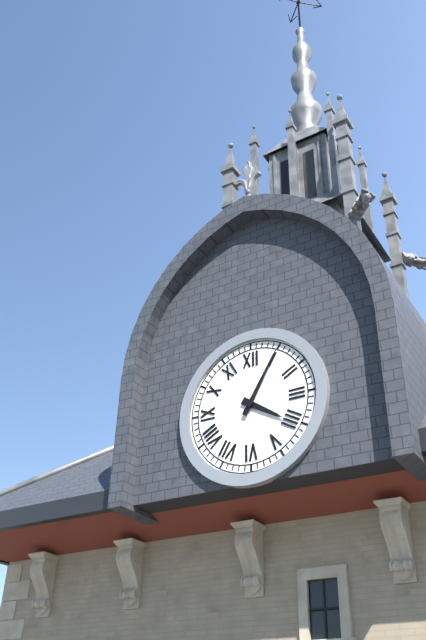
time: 4:05
